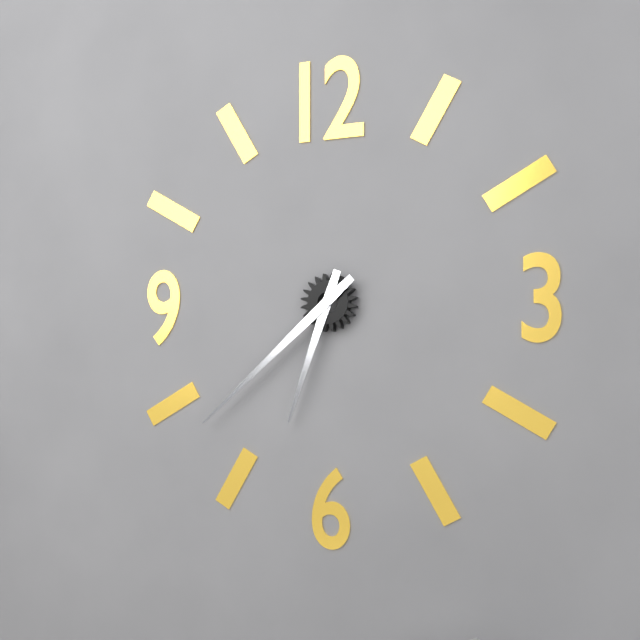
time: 6:38
